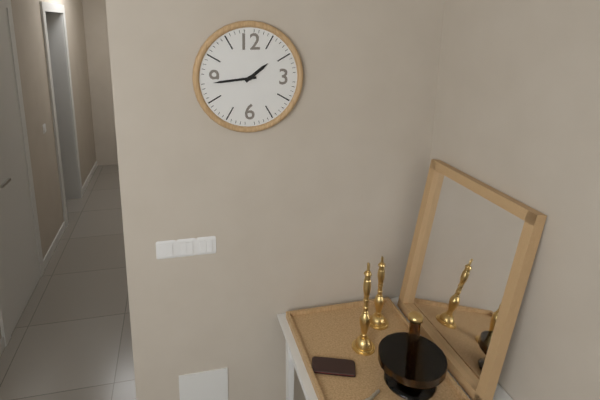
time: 1:44
